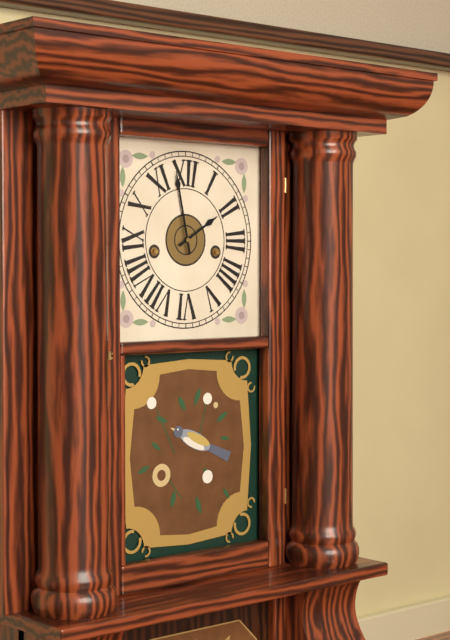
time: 1:58
